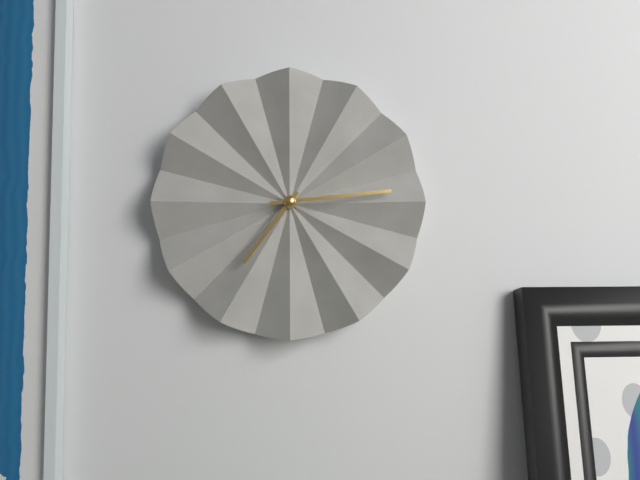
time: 7:14
